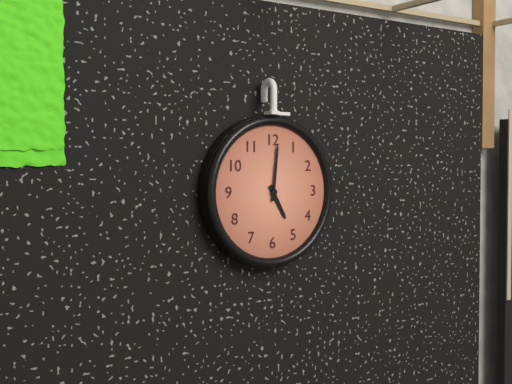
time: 5:01
